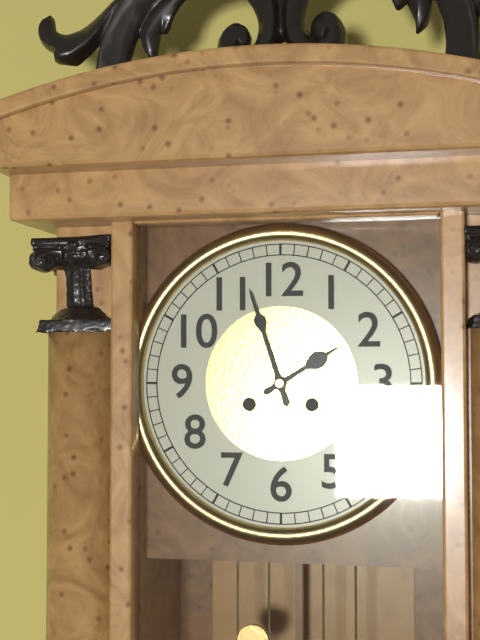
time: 1:57
